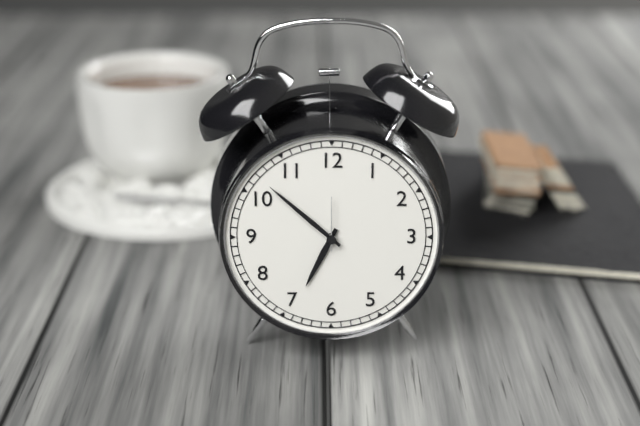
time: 6:52:00
